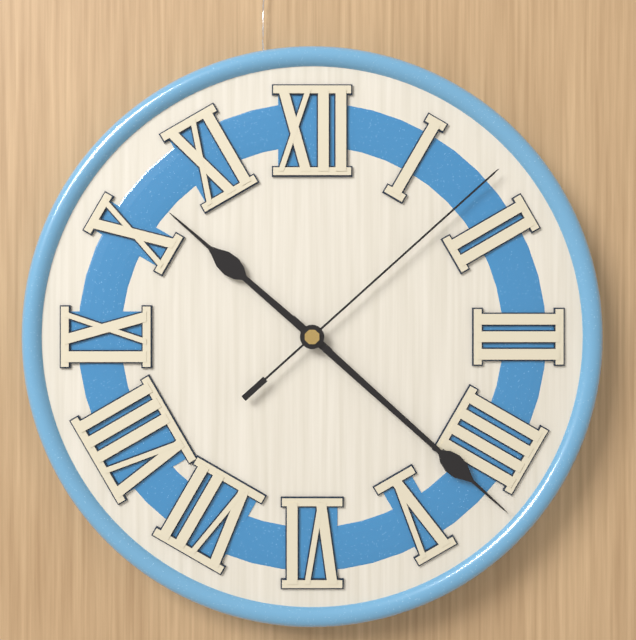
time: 10:22:08
